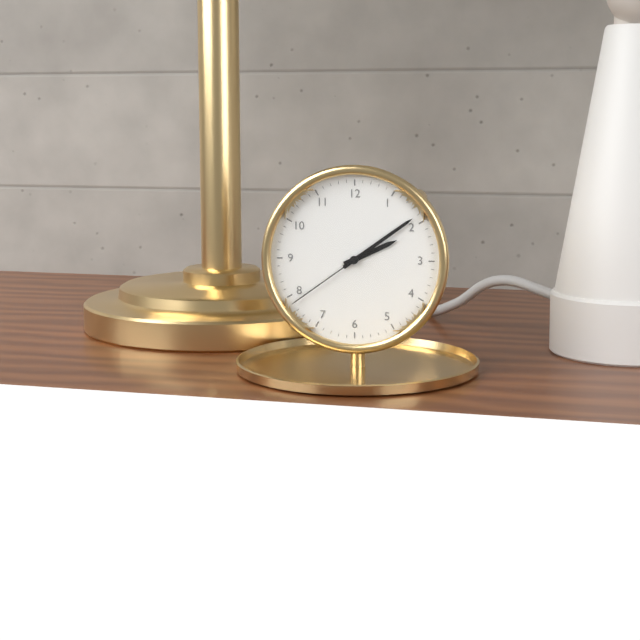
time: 2:09:39
